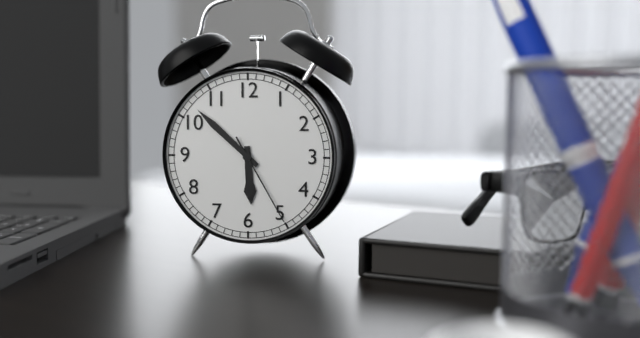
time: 5:52:25
